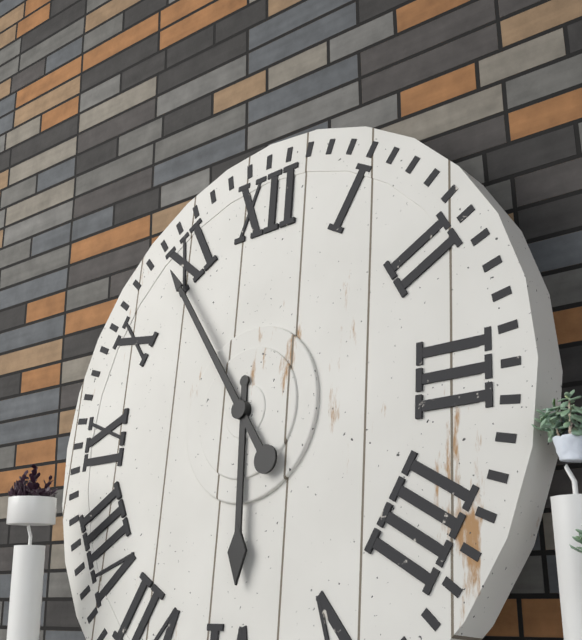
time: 5:54
